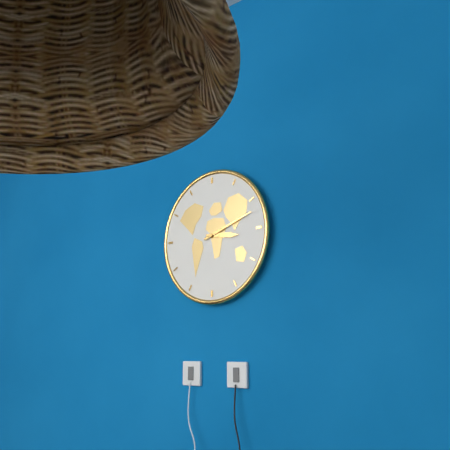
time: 3:12
